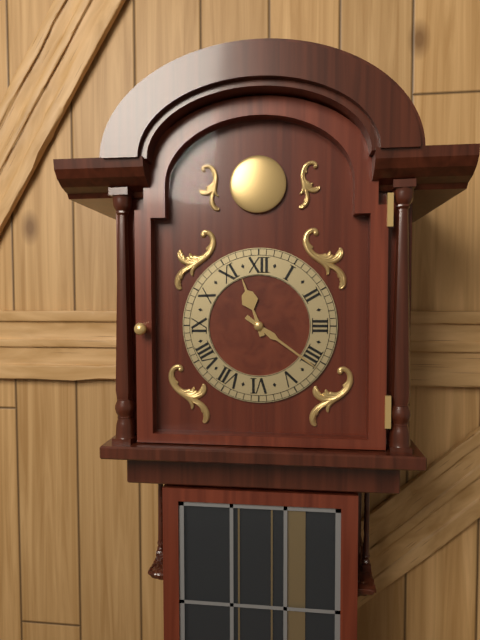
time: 11:21
